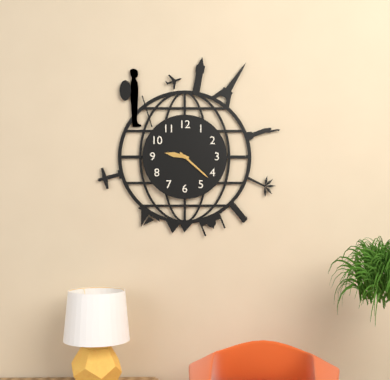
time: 9:22
